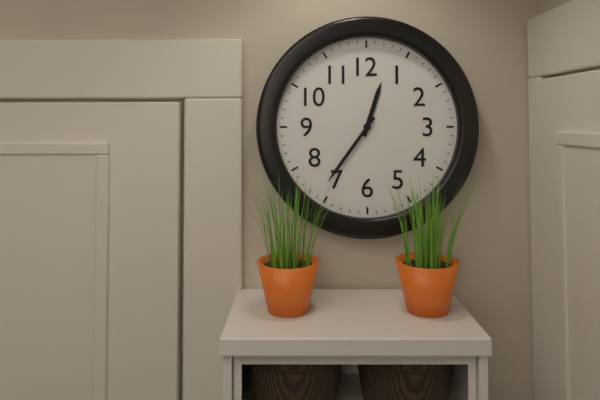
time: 12:36
